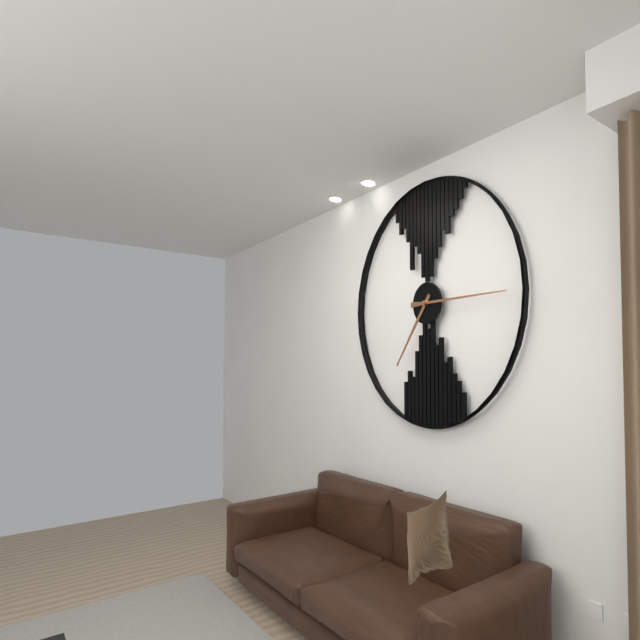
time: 7:15
